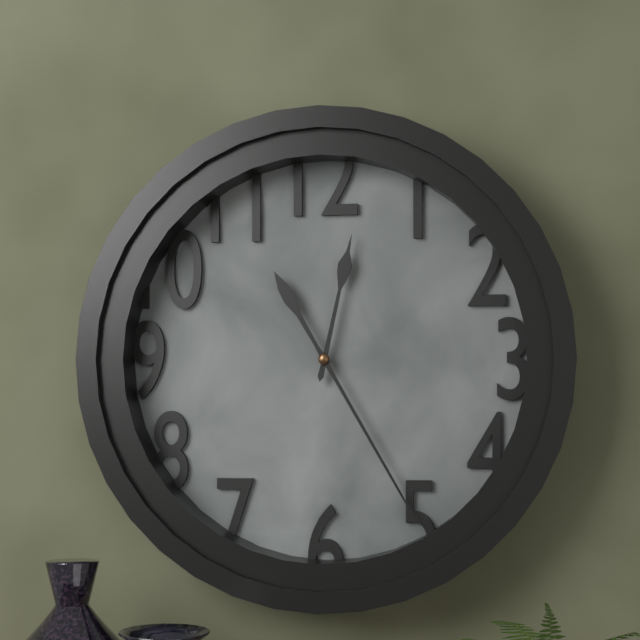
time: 12:25
